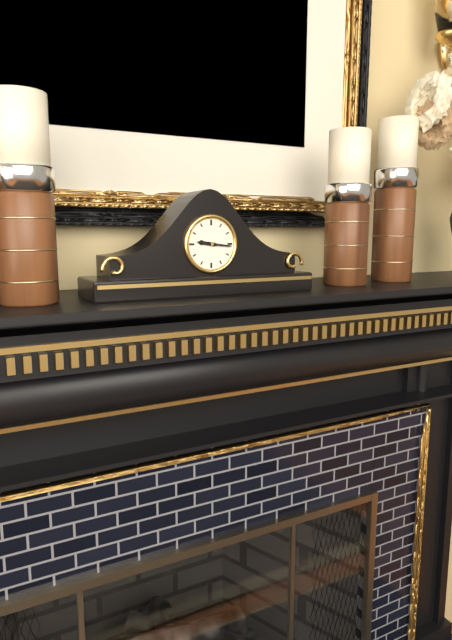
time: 9:16
